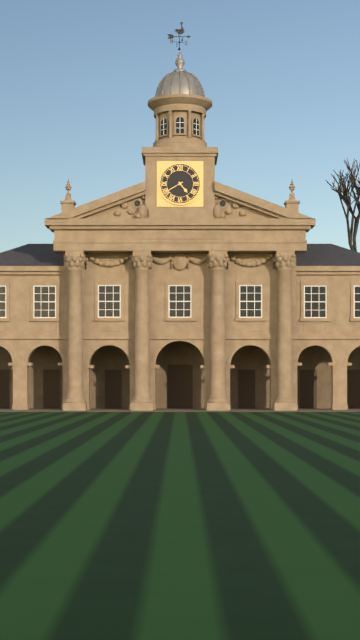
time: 4:40
